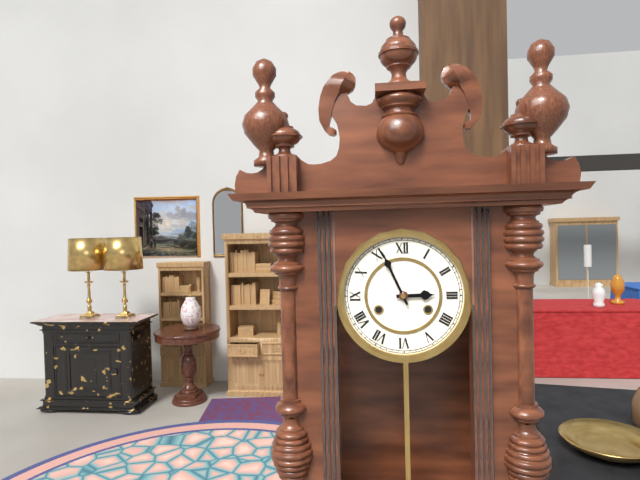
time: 2:56
